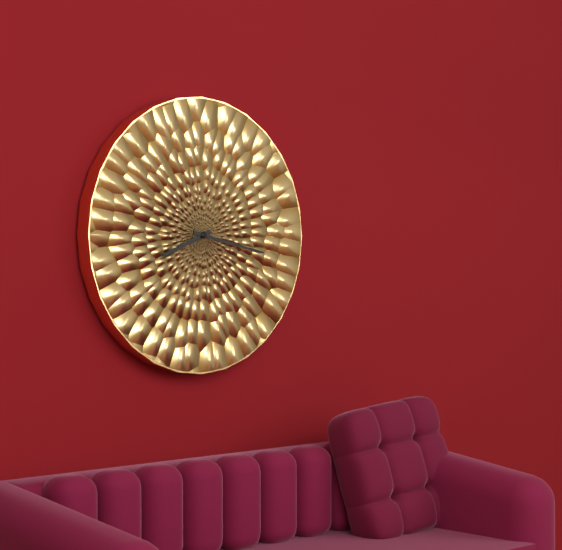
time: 8:17
